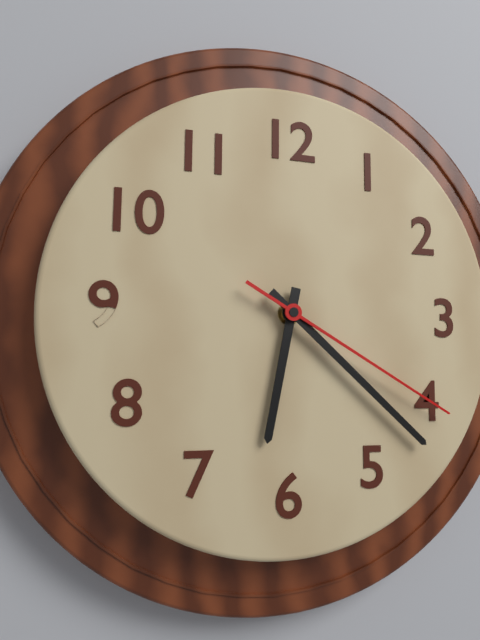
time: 6:22:20
